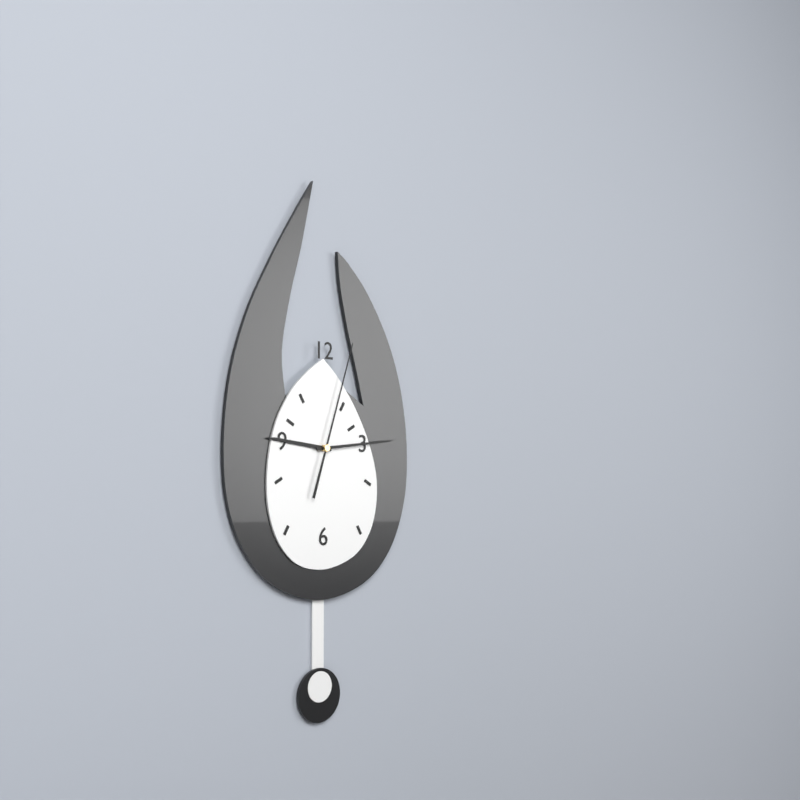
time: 9:14:03
